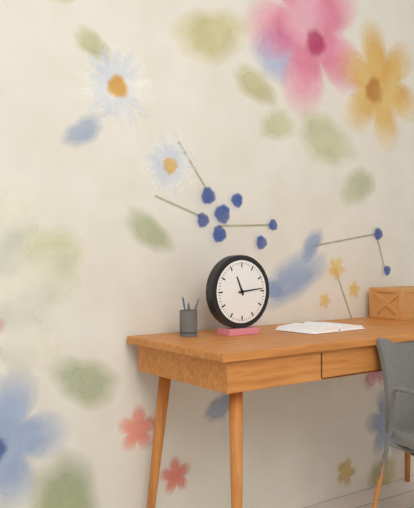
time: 11:14
